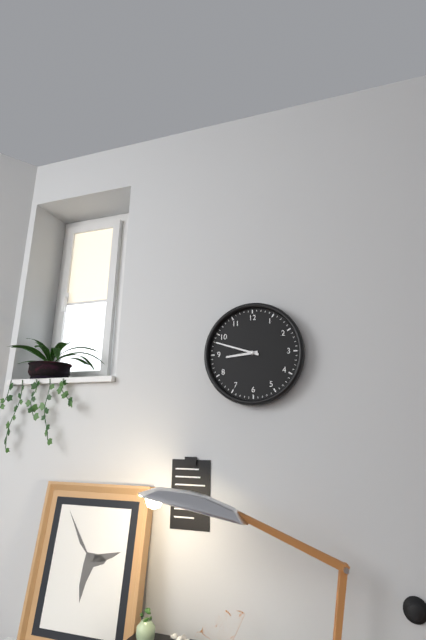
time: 8:48
